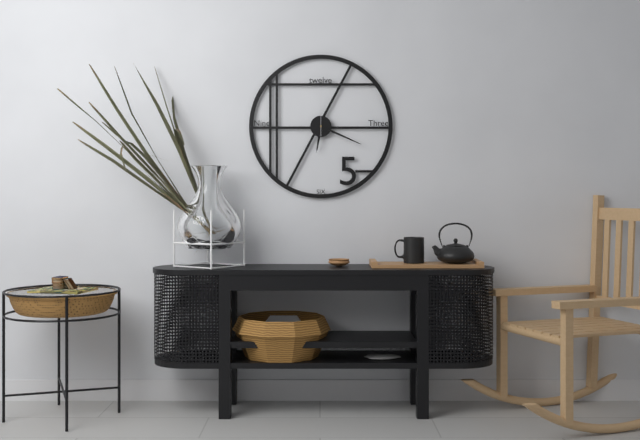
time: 6:19
